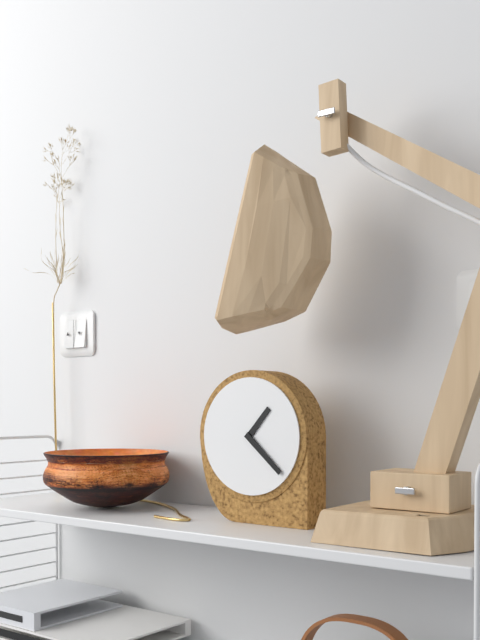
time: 1:22
